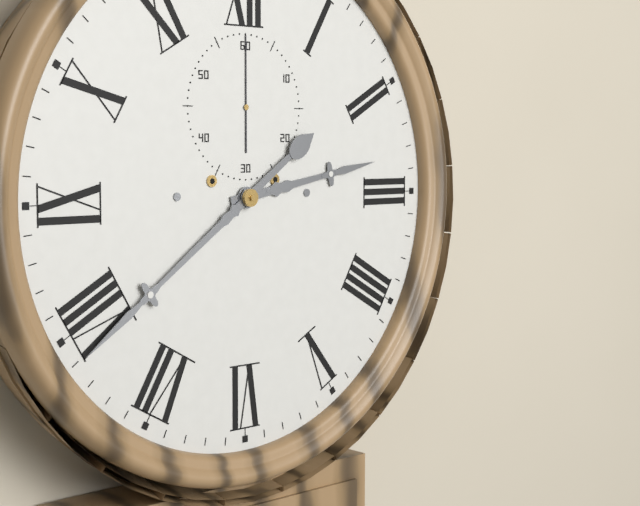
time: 2:39:00
